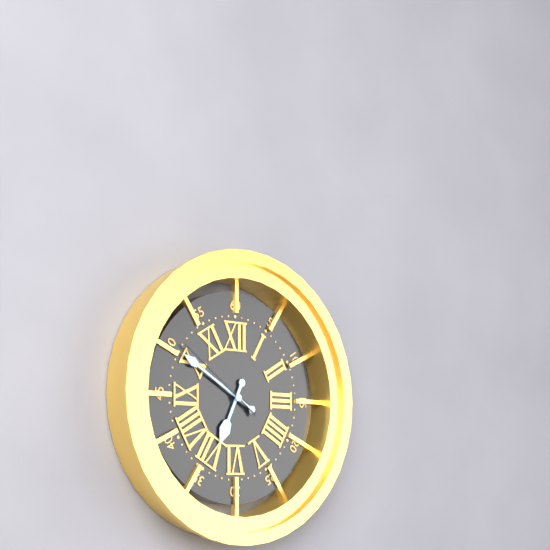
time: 6:50:51
